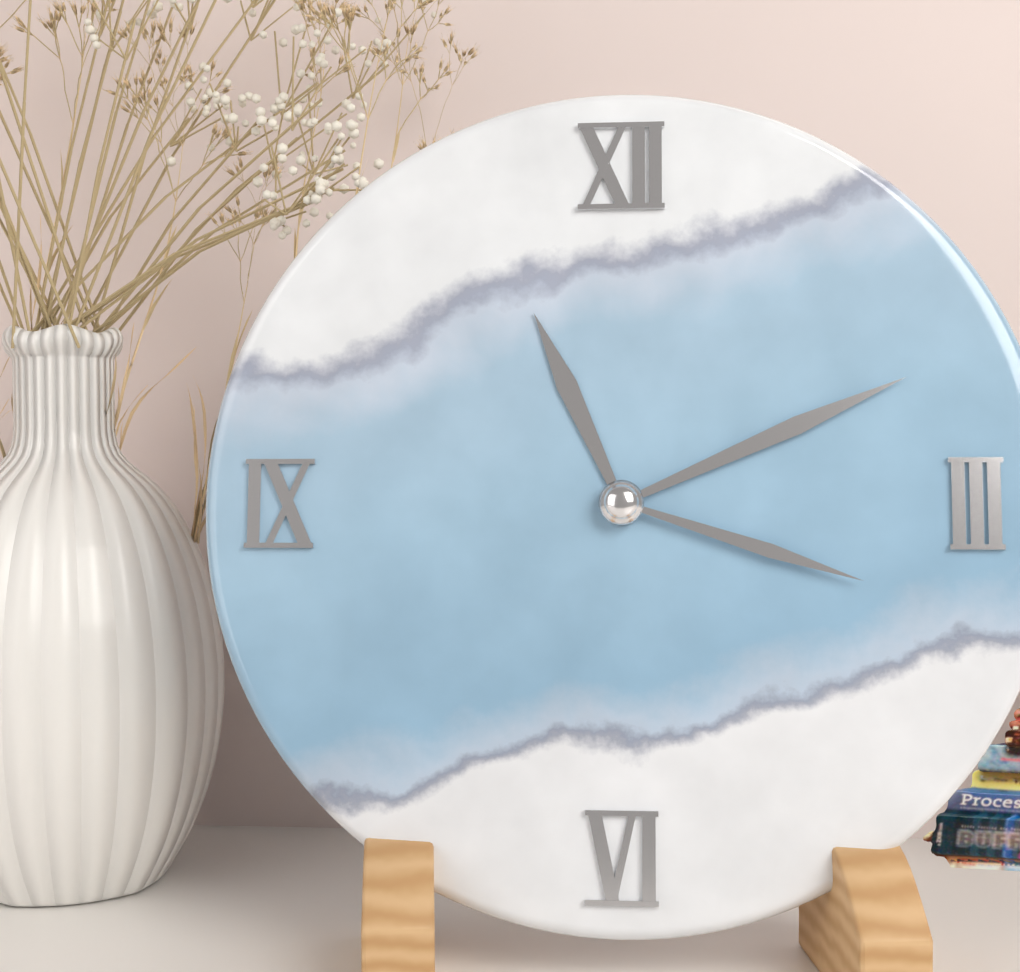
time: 11:11:18
